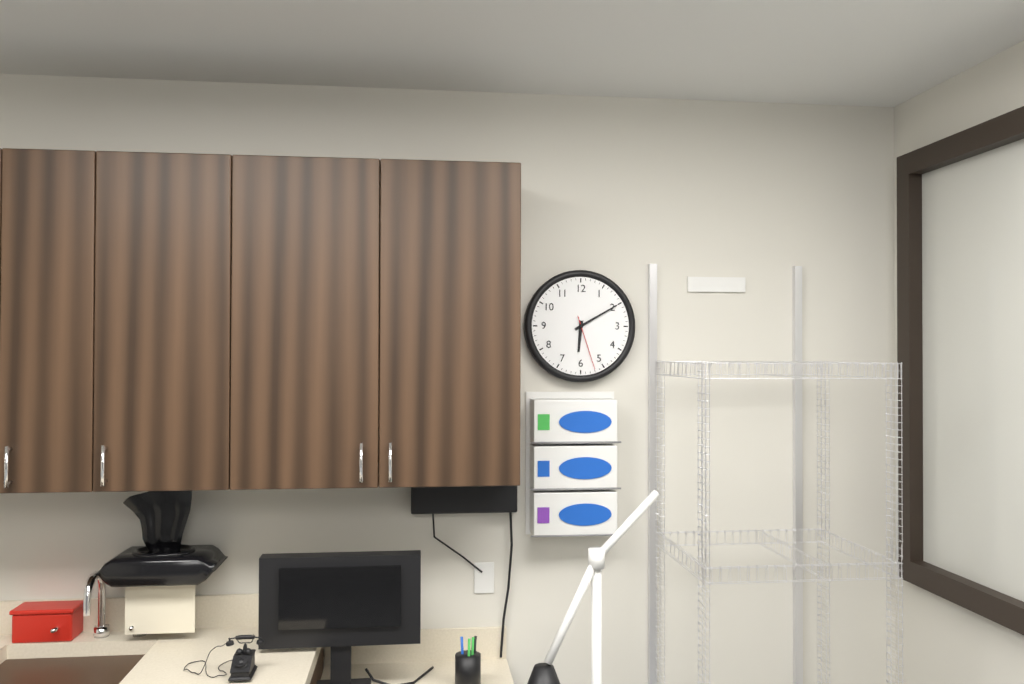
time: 6:10:27
